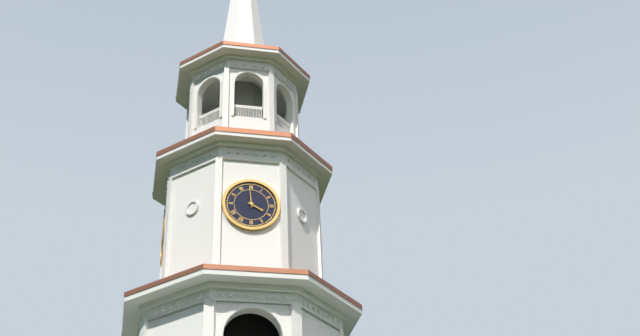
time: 3:59
